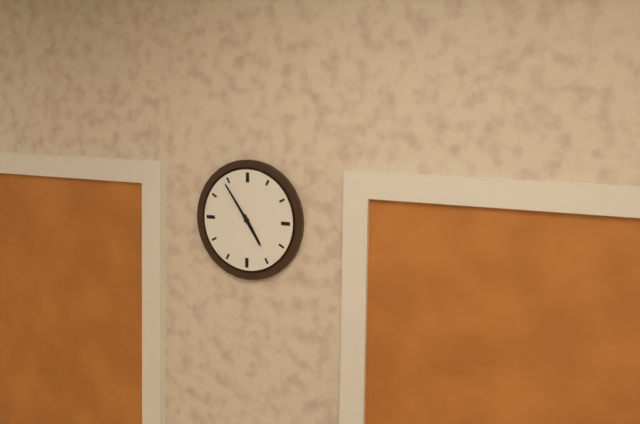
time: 4:54
